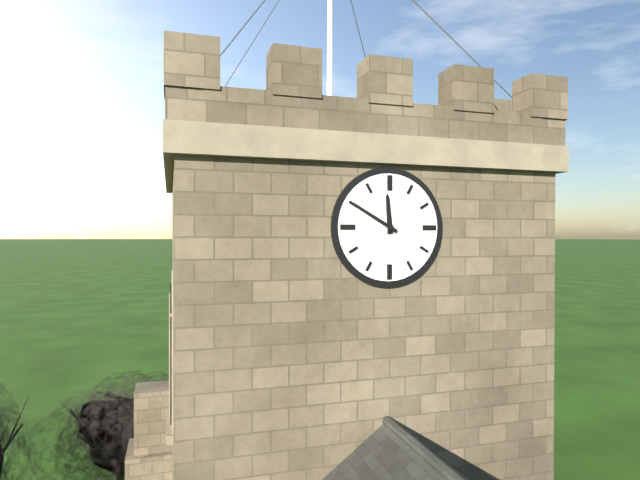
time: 11:50
